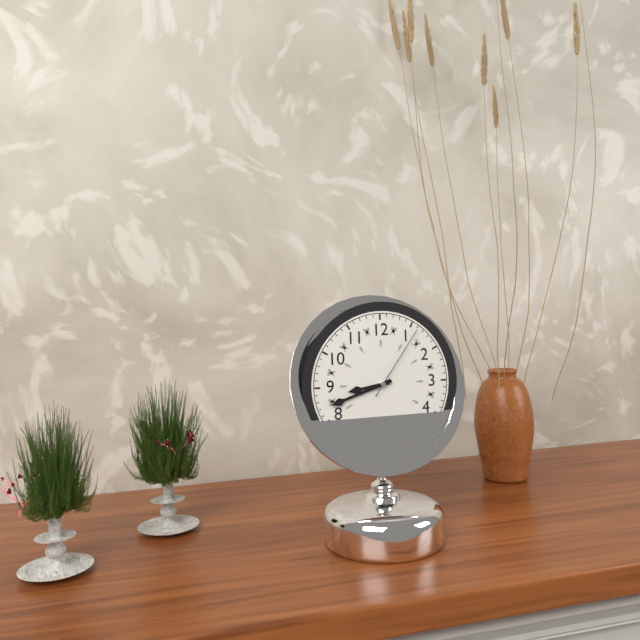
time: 8:42:06
